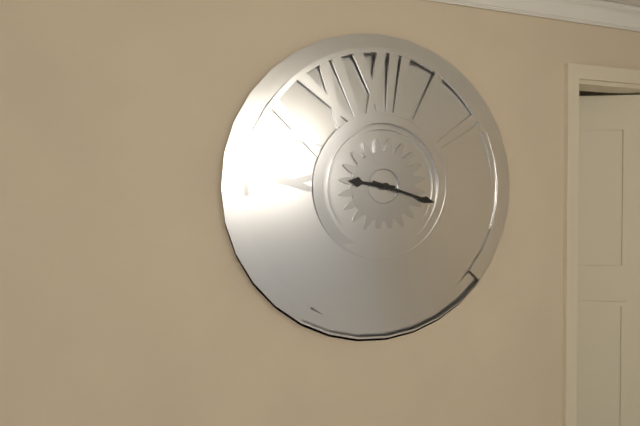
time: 9:18
